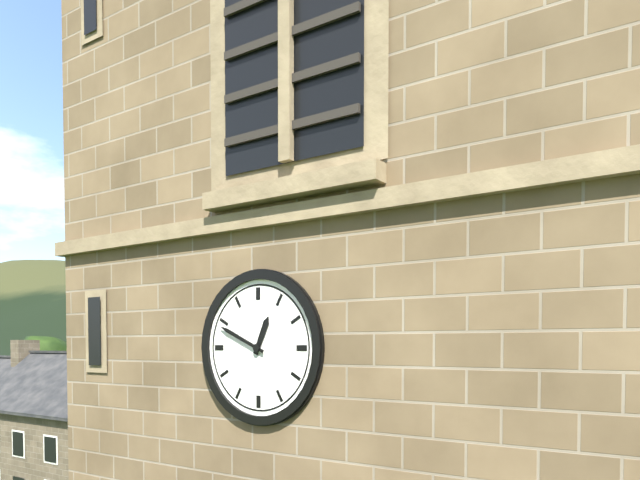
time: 12:49
